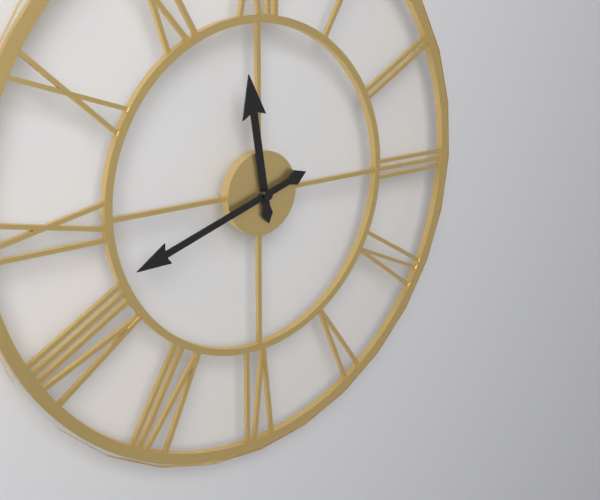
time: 11:42
